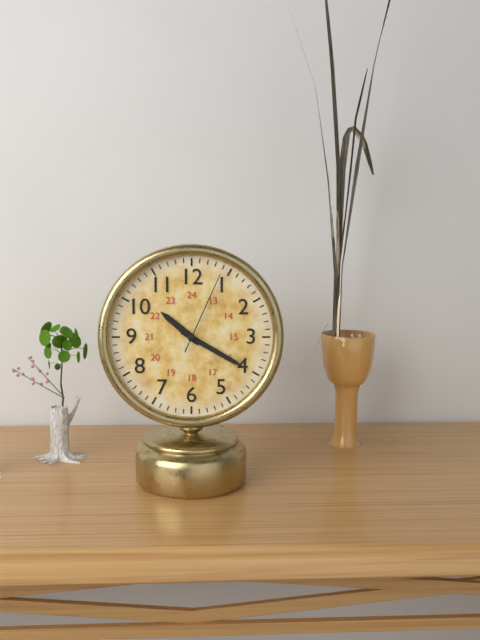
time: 10:20:04
